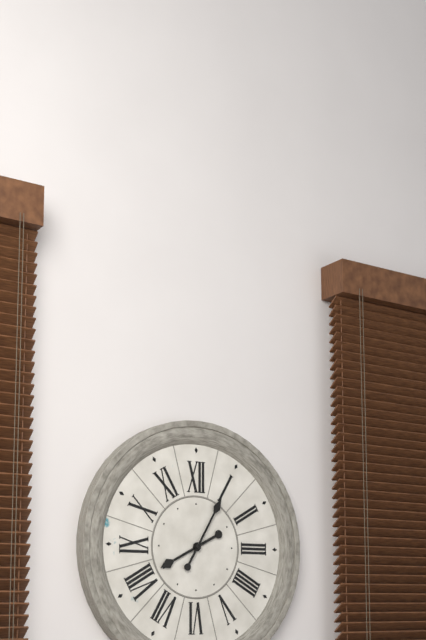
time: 8:05
